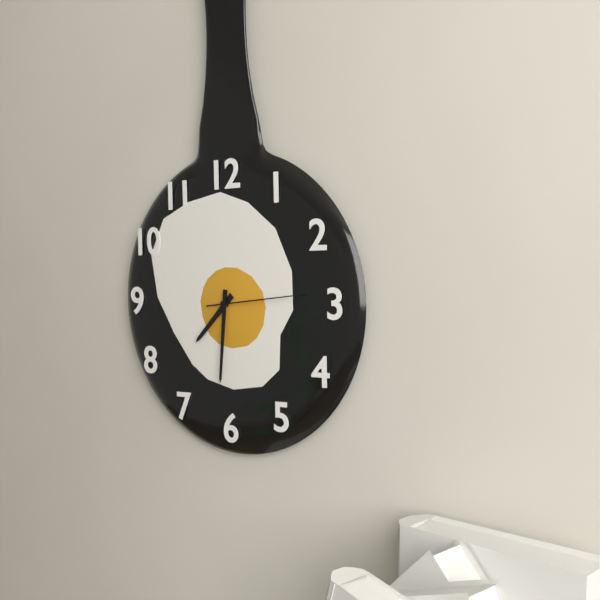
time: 7:31:14
